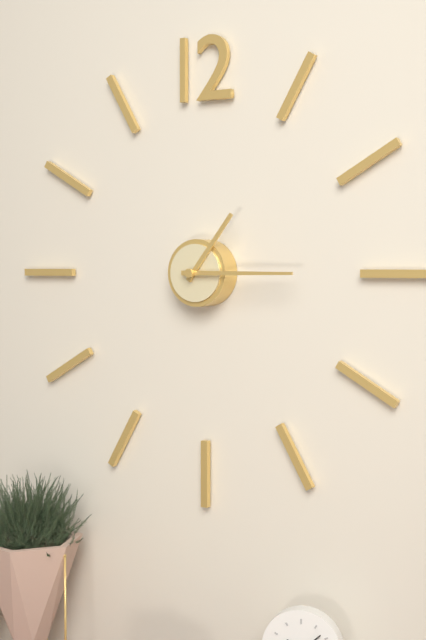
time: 1:15
